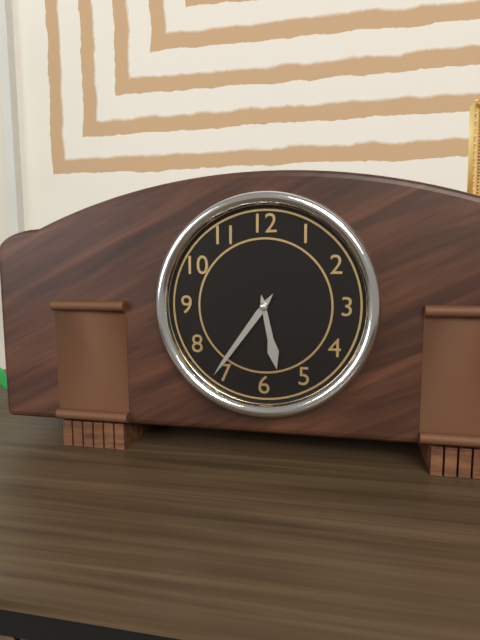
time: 5:36
